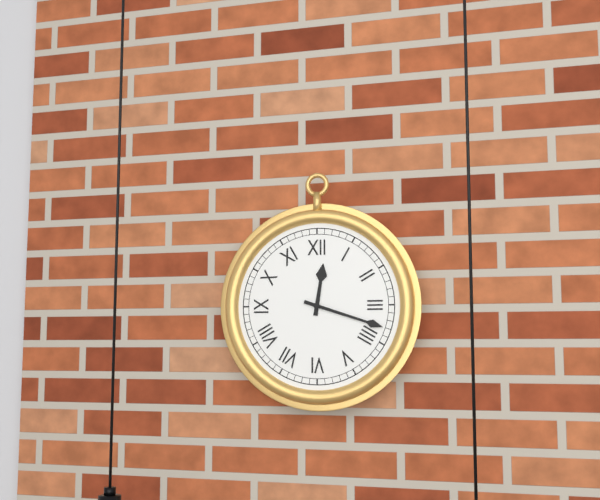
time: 12:18
